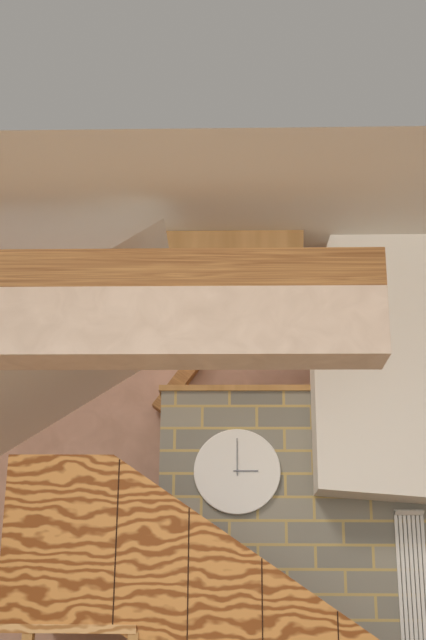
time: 3:00
